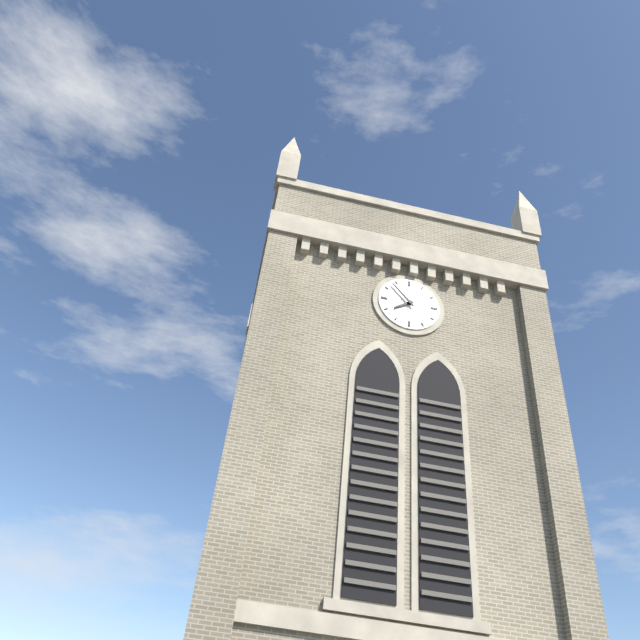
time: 7:53
